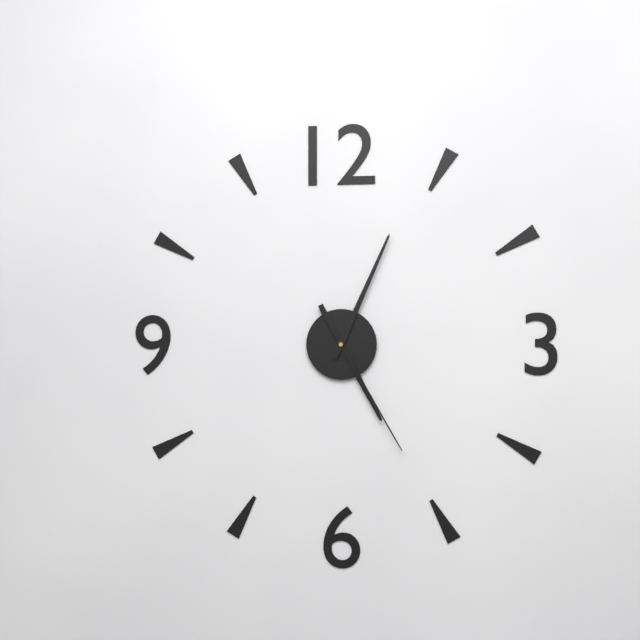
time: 5:04:25
